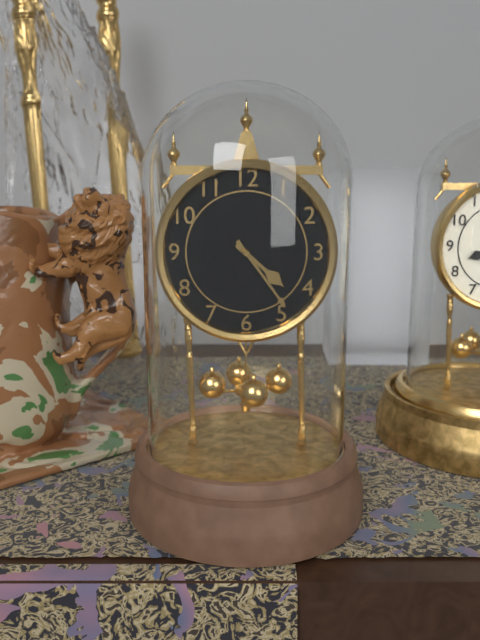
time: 4:24
